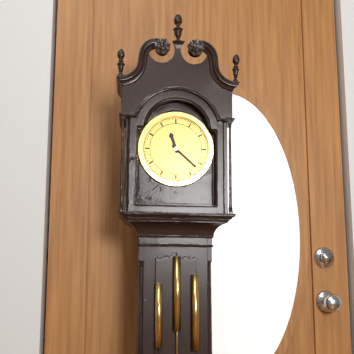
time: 11:22
